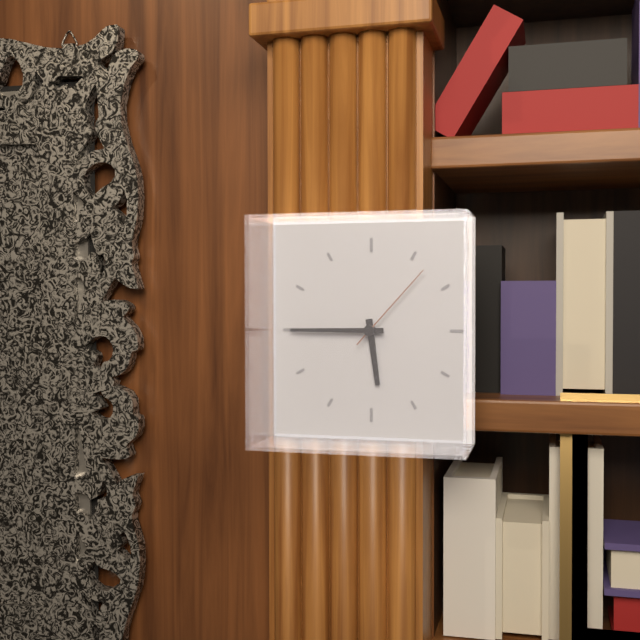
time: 5:45:07
